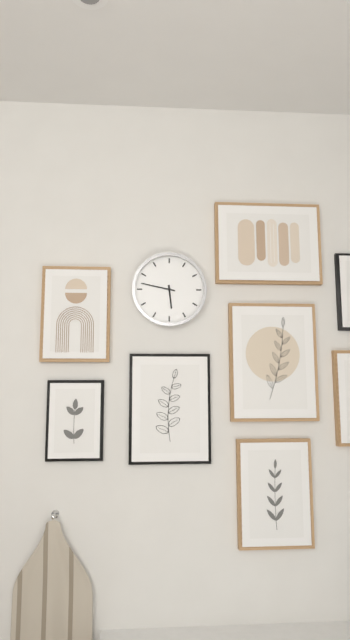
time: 5:47
